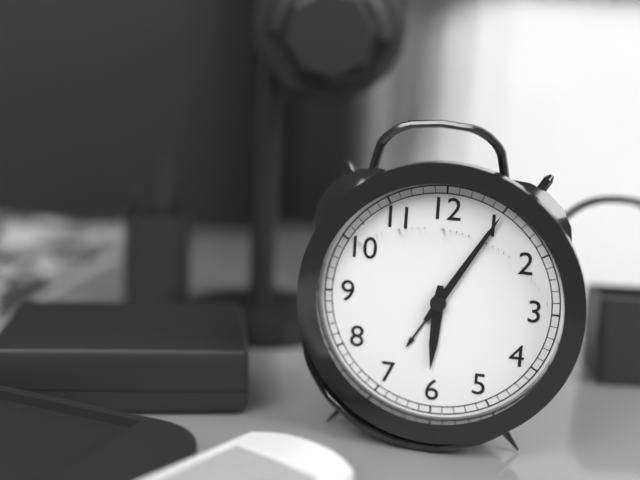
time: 6:05
